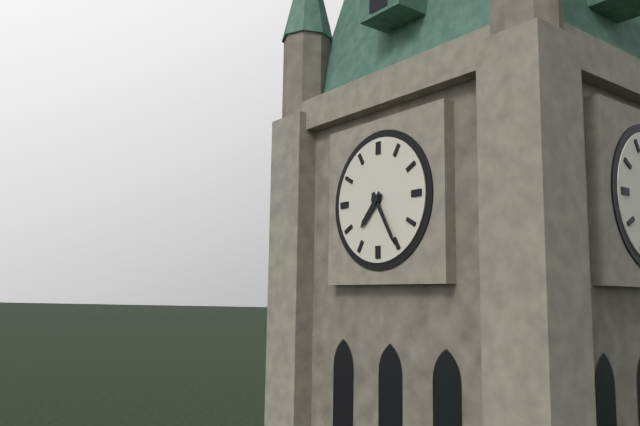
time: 7:25
